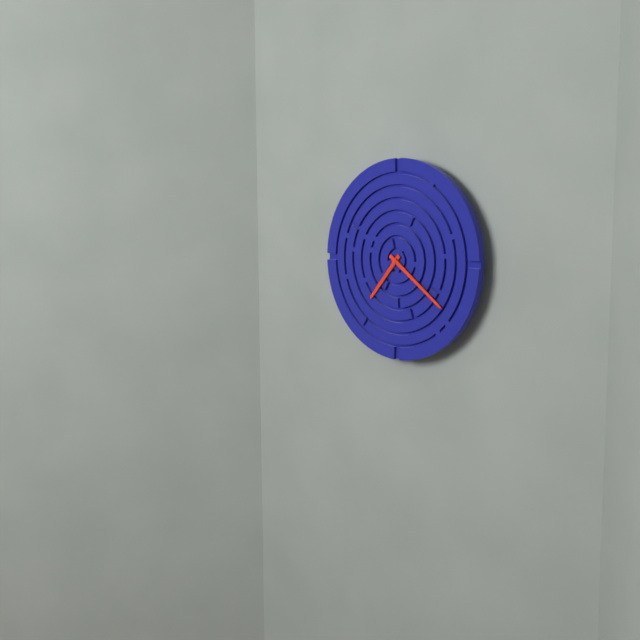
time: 7:21
